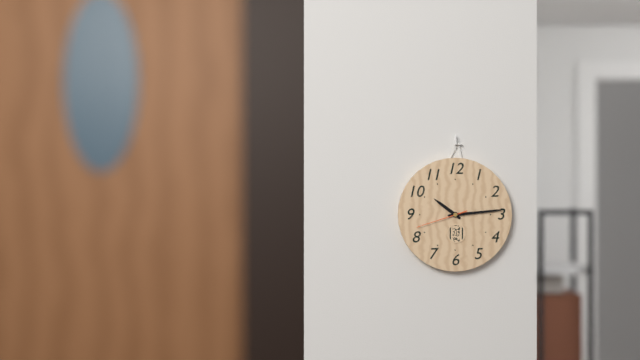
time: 10:14:42
